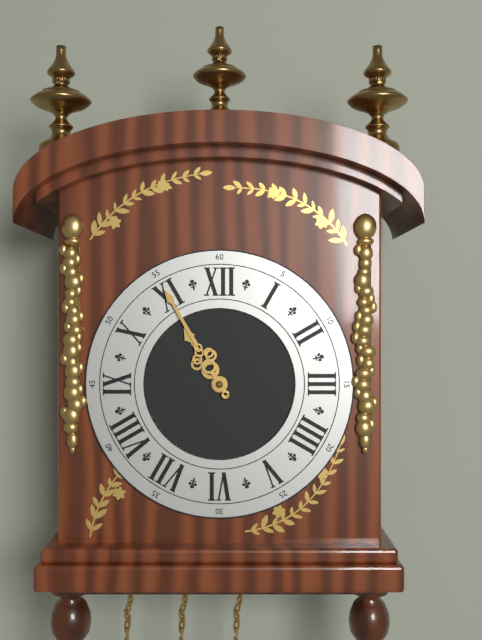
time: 10:55
